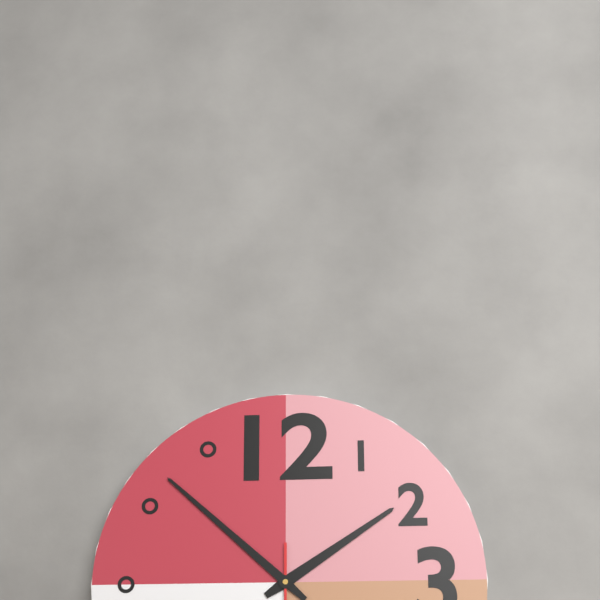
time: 1:52
